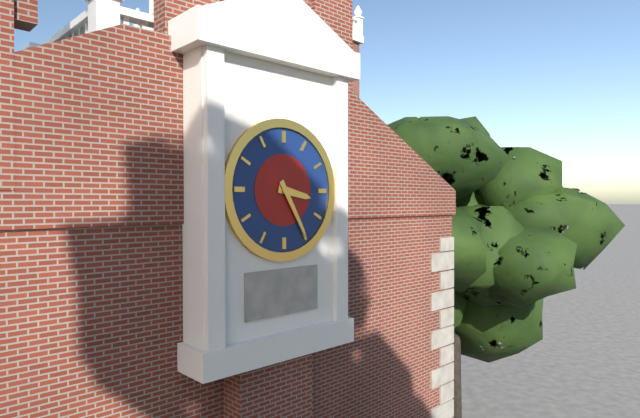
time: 3:25
